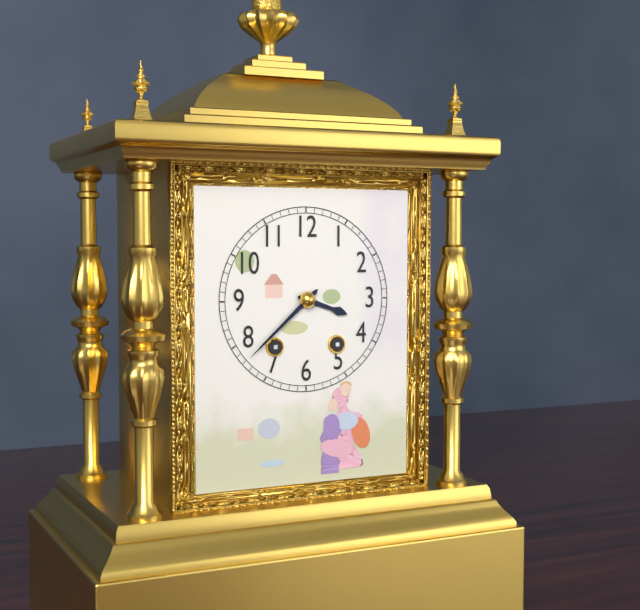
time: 3:38
